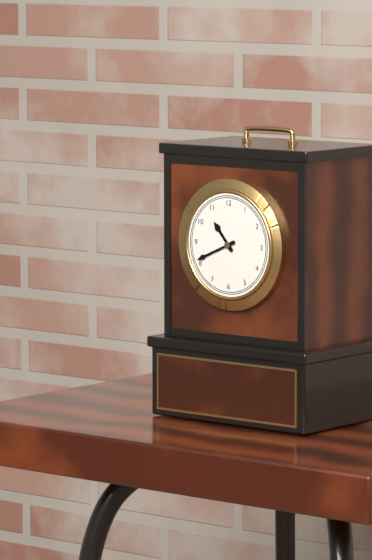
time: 10:41
